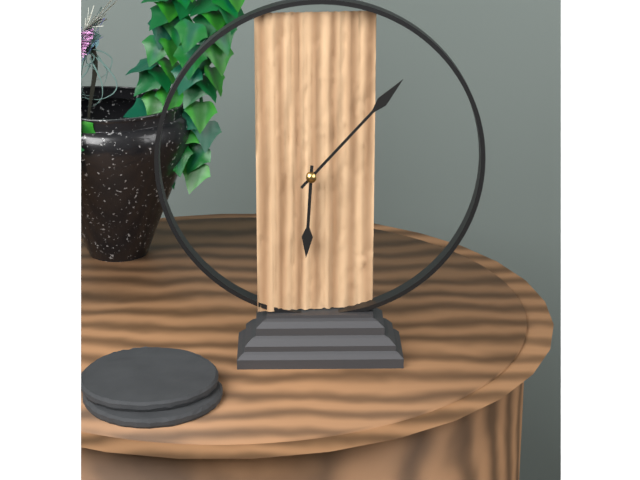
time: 6:07
